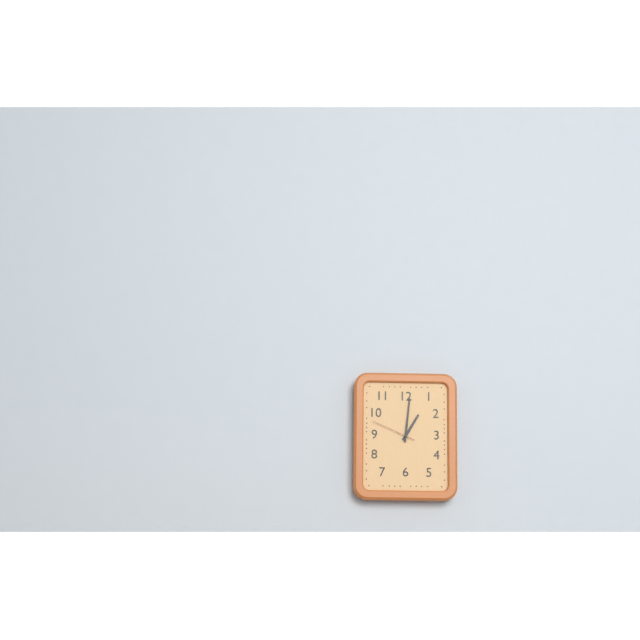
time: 1:01
